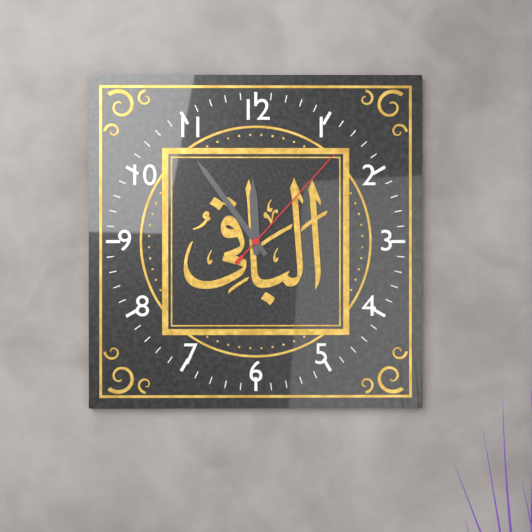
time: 11:54:07
